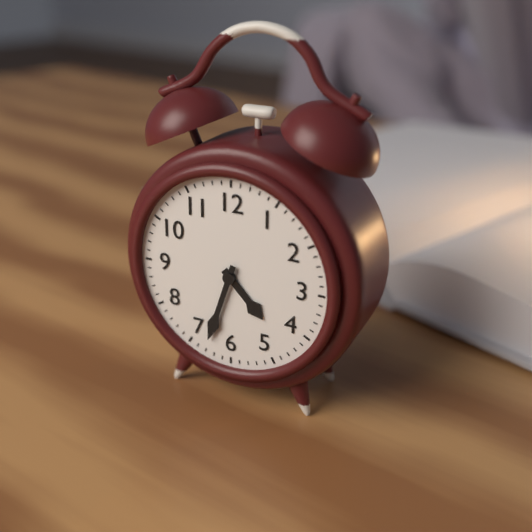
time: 4:33
